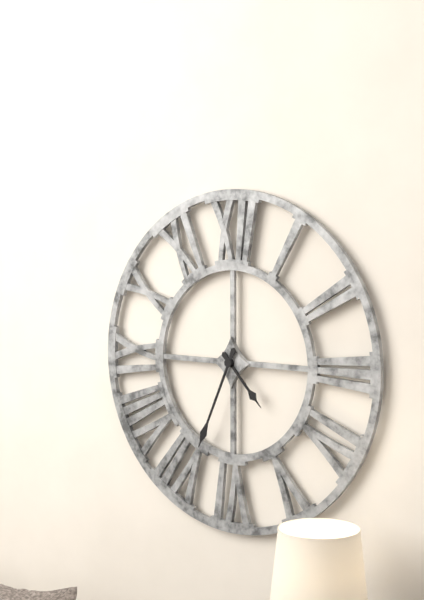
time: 4:34
